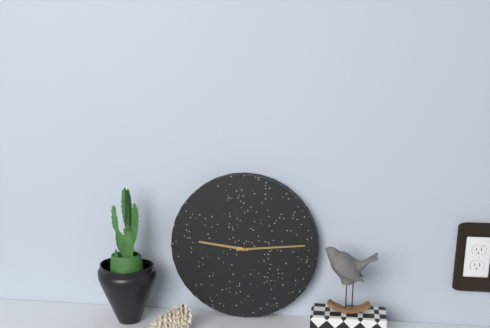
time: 9:14
